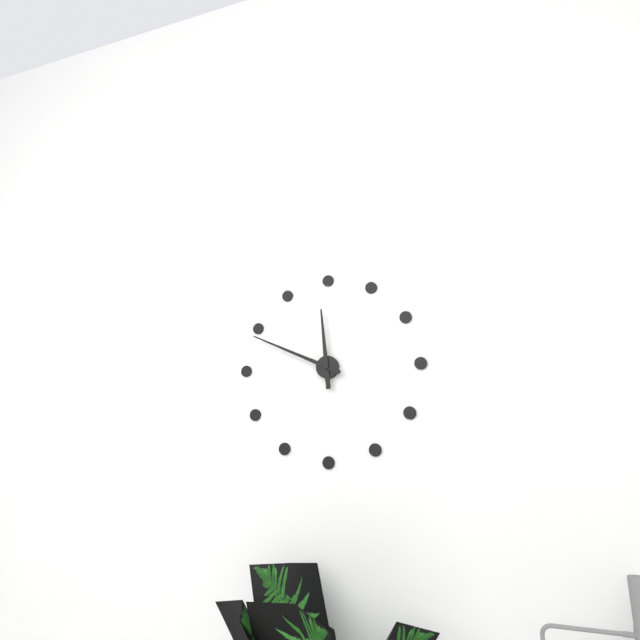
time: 11:49
